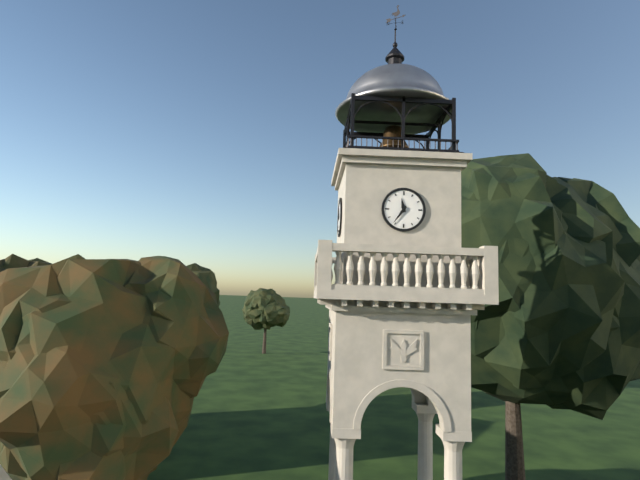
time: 11:36
